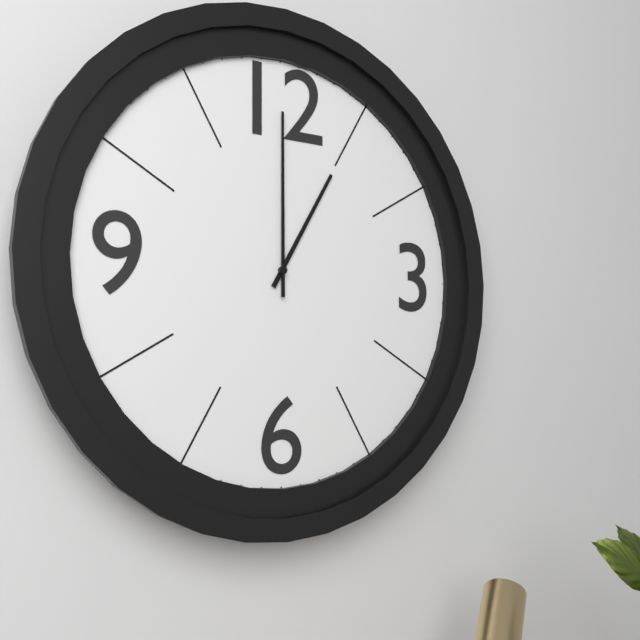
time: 1:00
